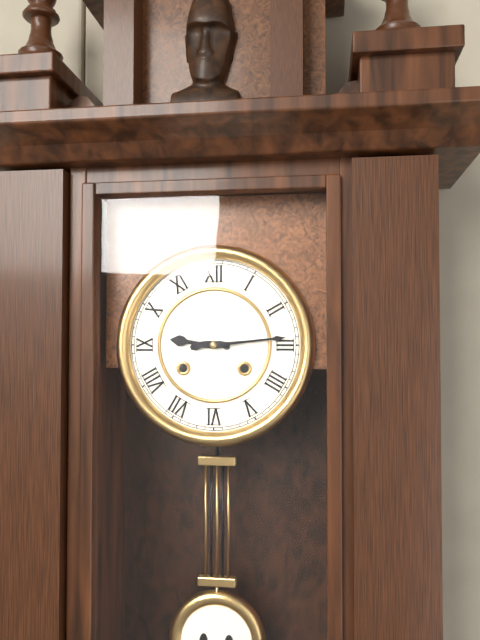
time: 9:14
